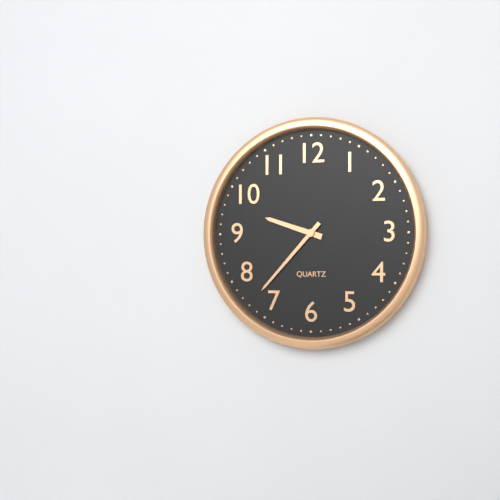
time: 9:37
